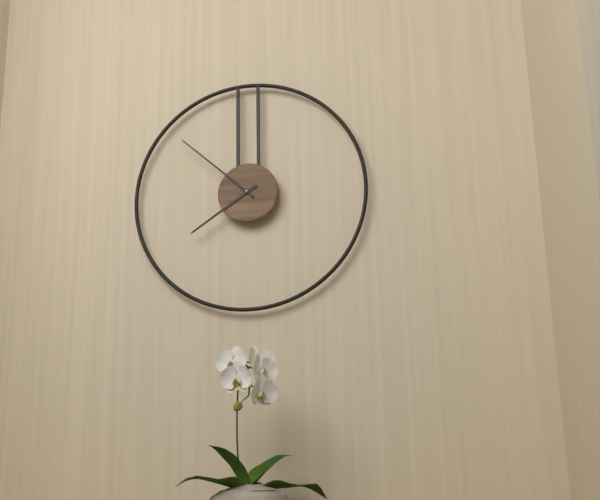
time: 7:52
